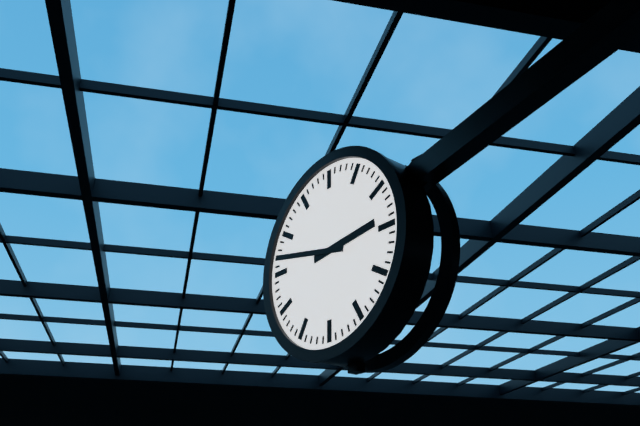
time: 2:47
